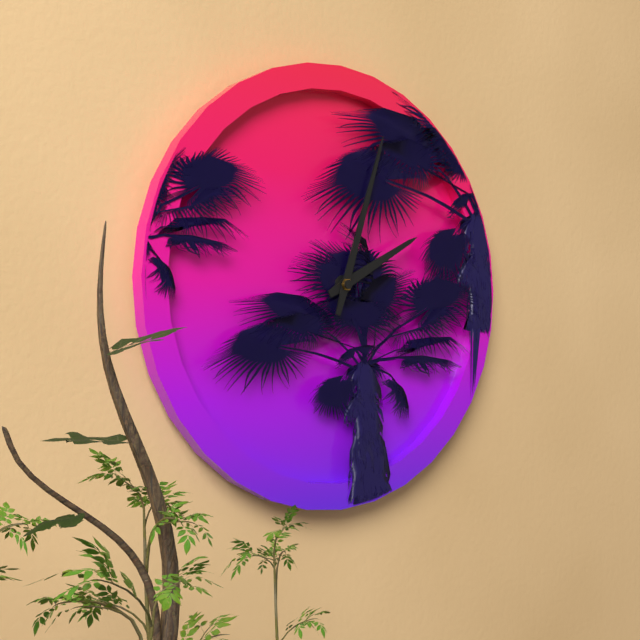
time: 2:03
